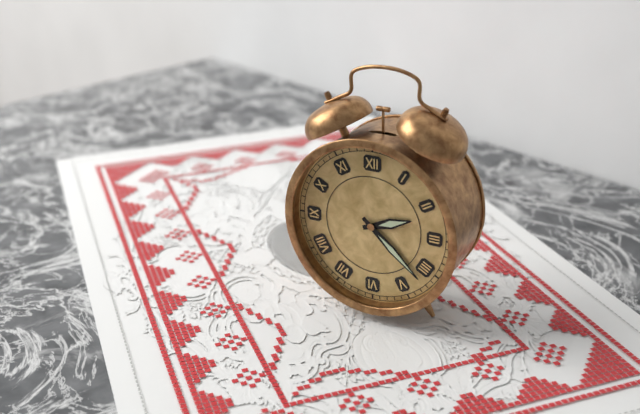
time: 2:22
